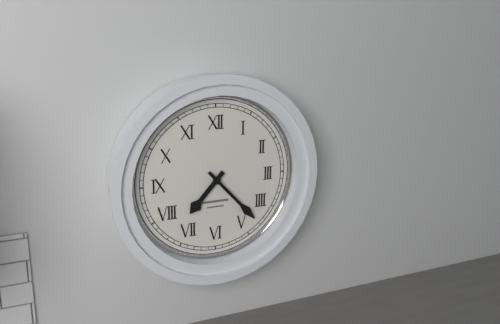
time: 7:23
